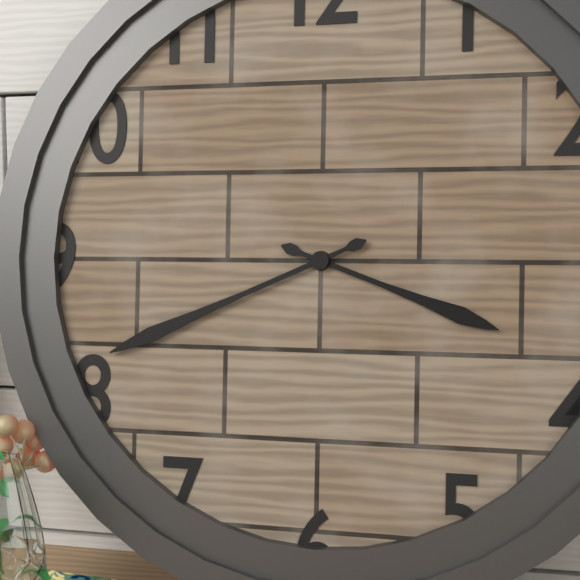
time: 3:41
